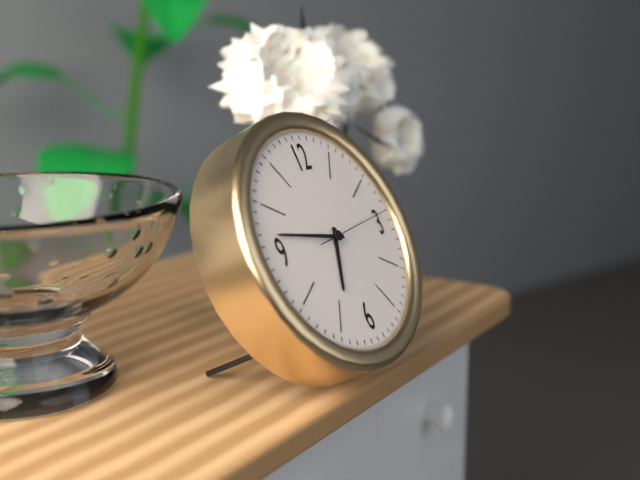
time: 6:47:14
